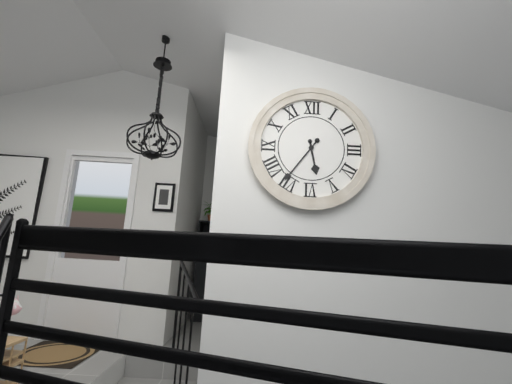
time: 5:36
